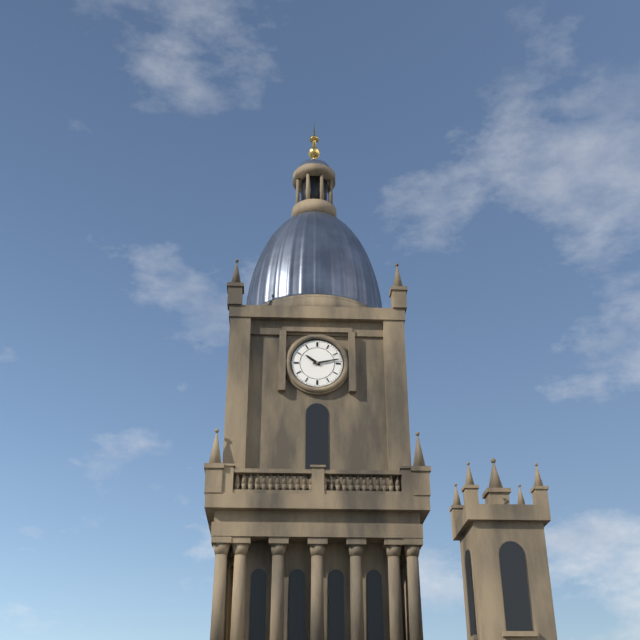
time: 10:13
